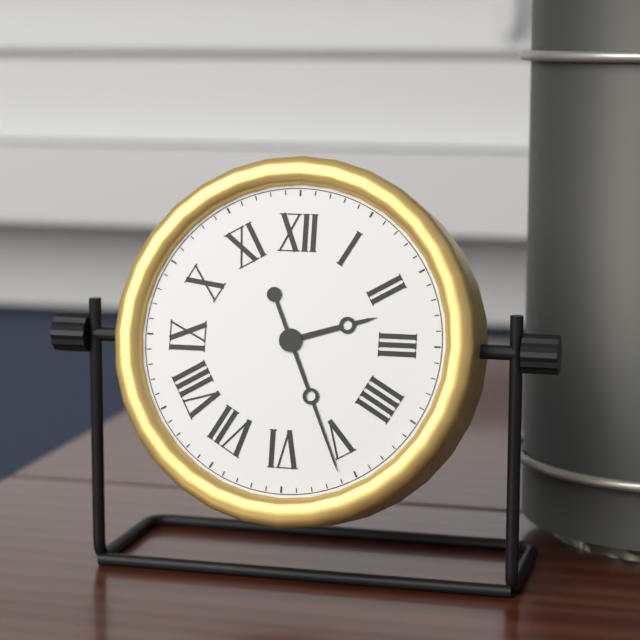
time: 2:26
